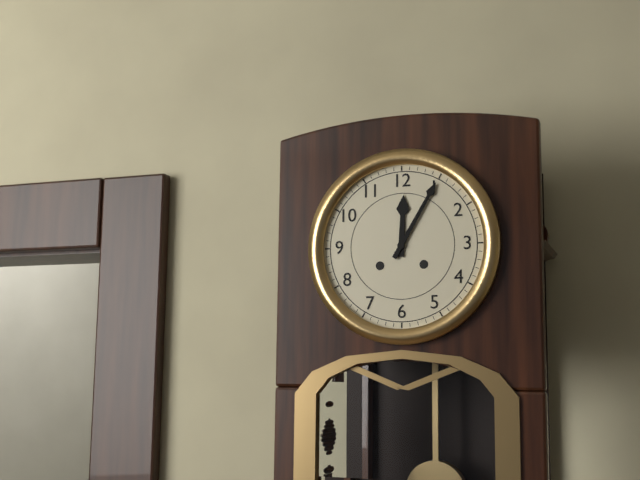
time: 12:05
